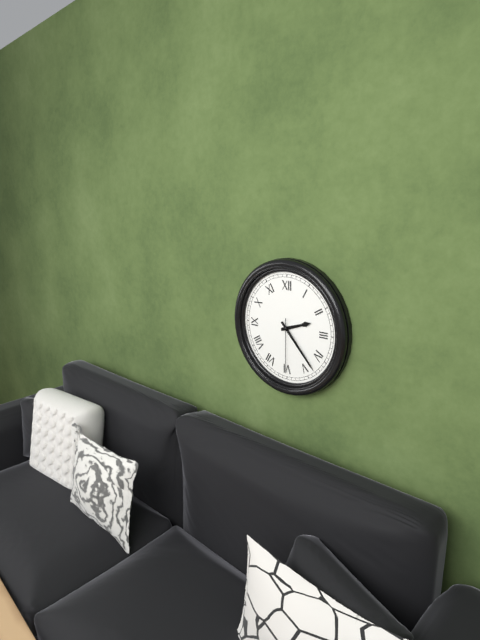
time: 2:23:30
